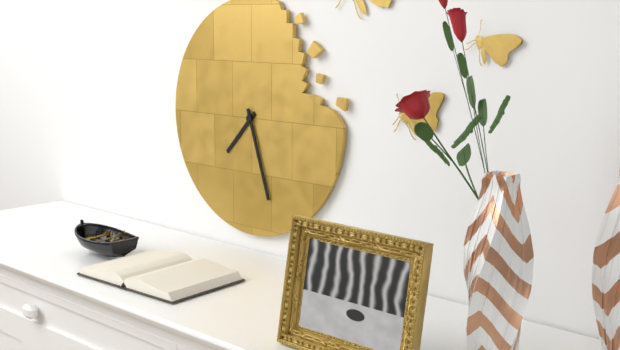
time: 7:27
